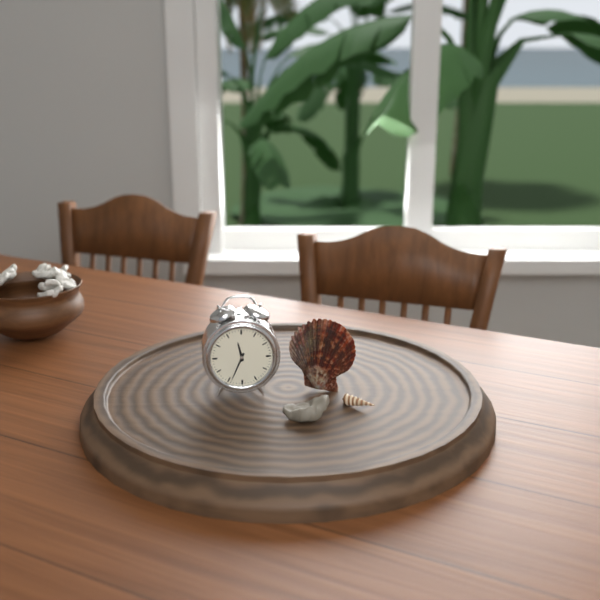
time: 11:34
